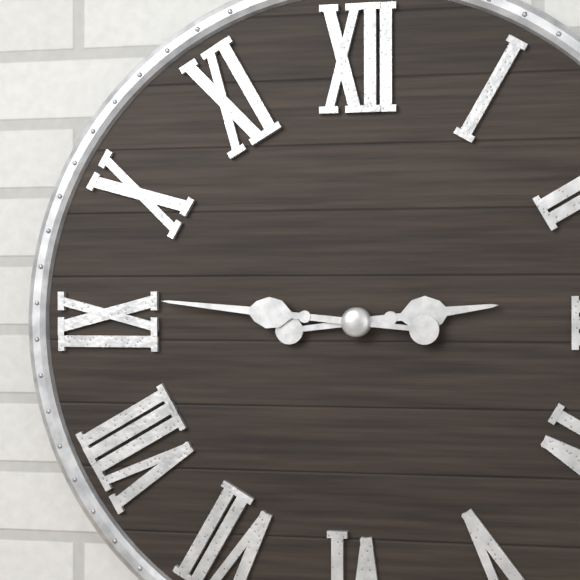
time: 2:46
